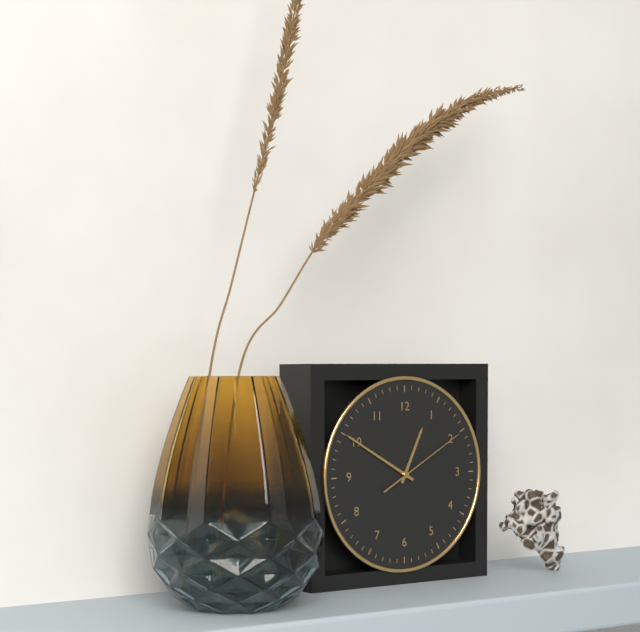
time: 12:50:10
